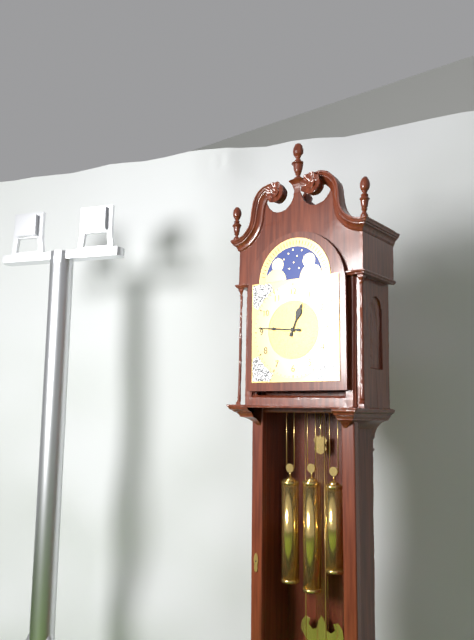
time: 12:46
